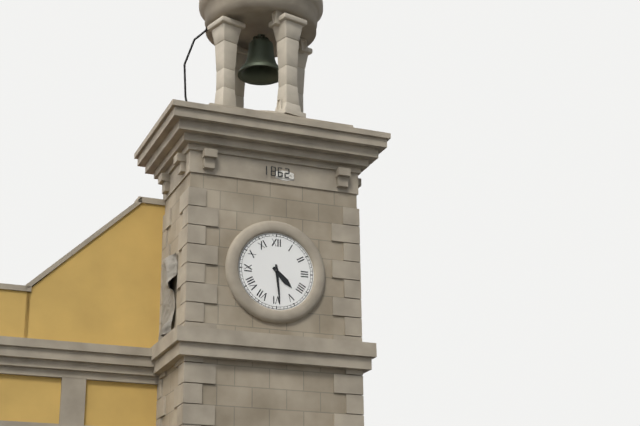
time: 4:29
